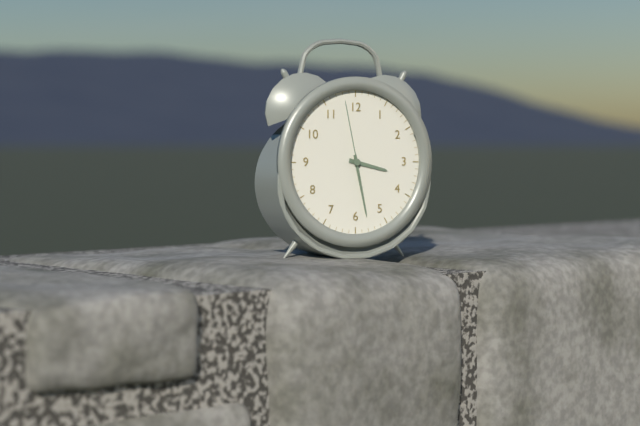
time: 3:28:58
